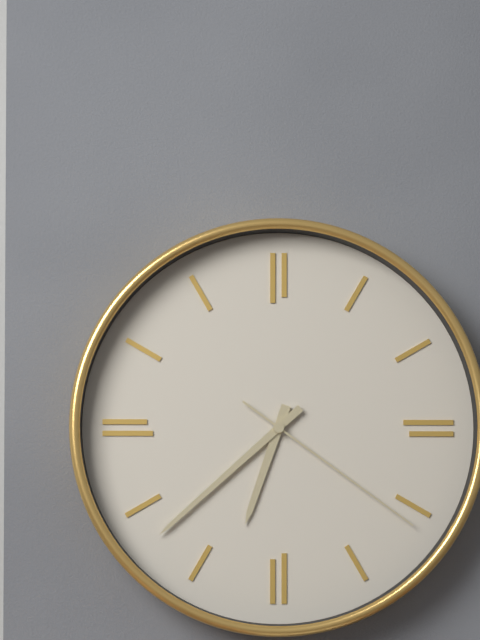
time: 6:38:21
